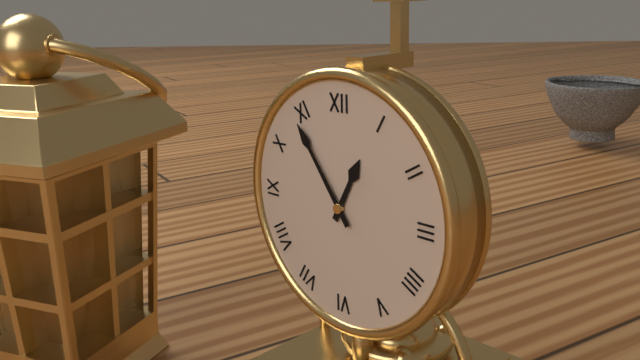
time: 12:54
